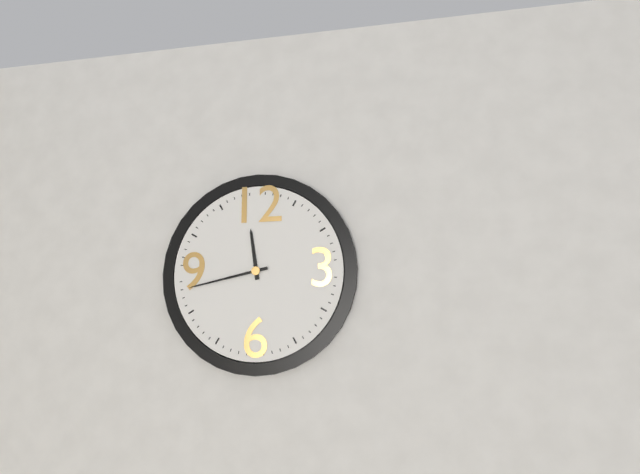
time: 11:43
